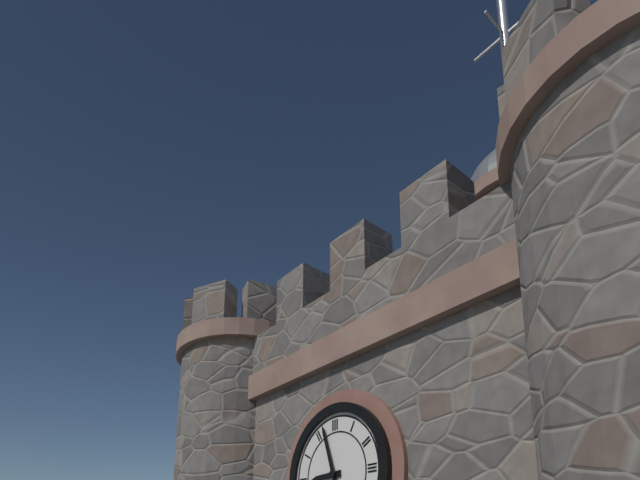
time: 8:57
